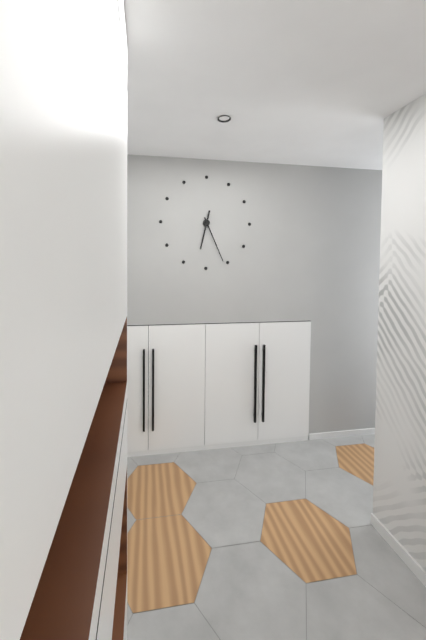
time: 6:26
